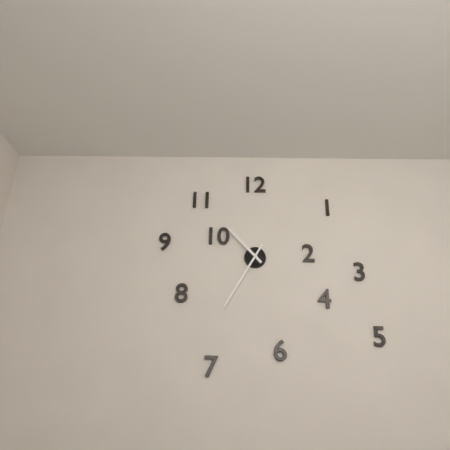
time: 10:35
